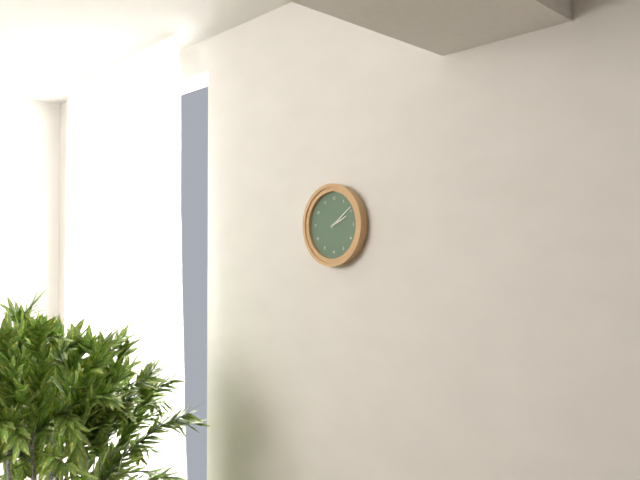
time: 2:09
